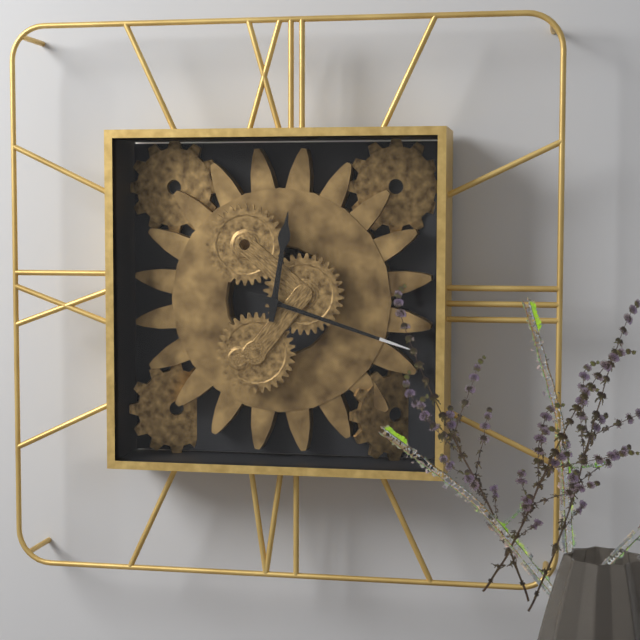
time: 12:18
